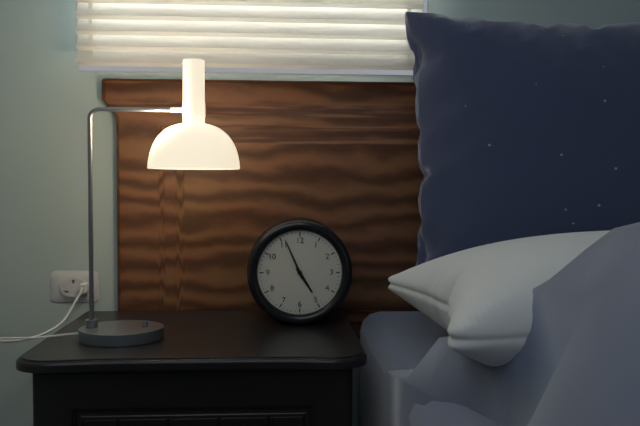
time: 4:56
